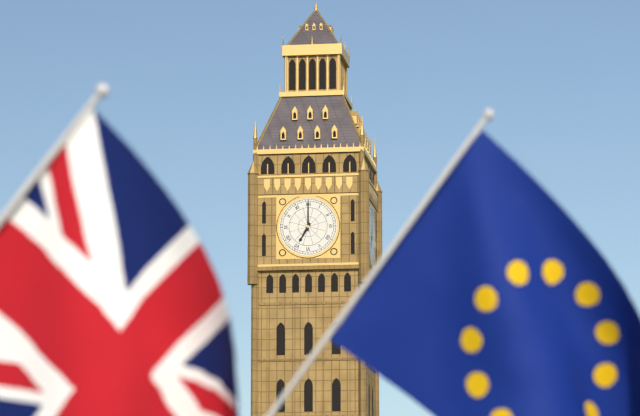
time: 7:00
